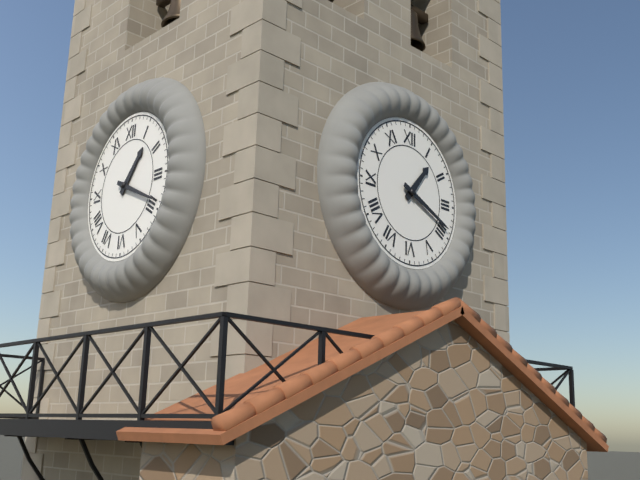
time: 1:19
